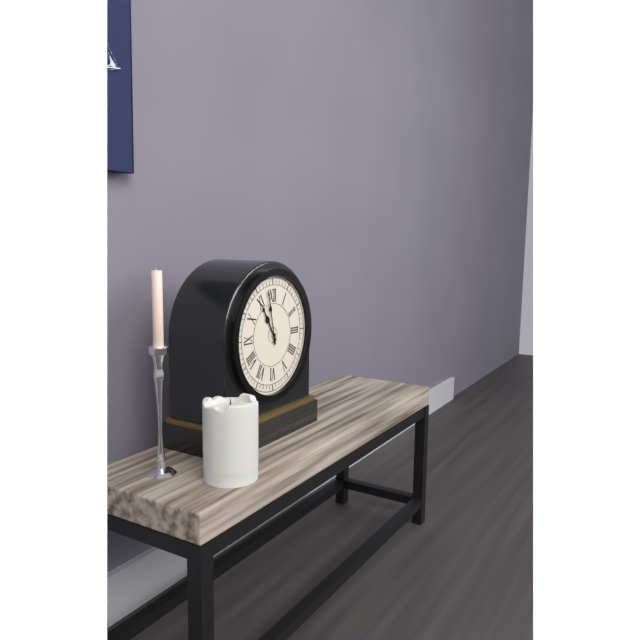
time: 10:58
